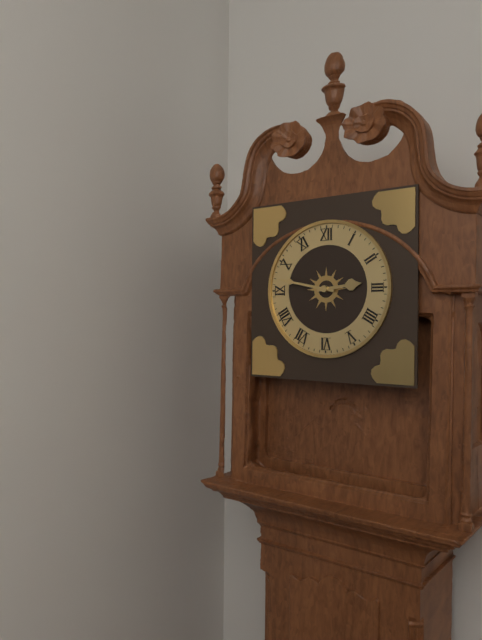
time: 2:47
